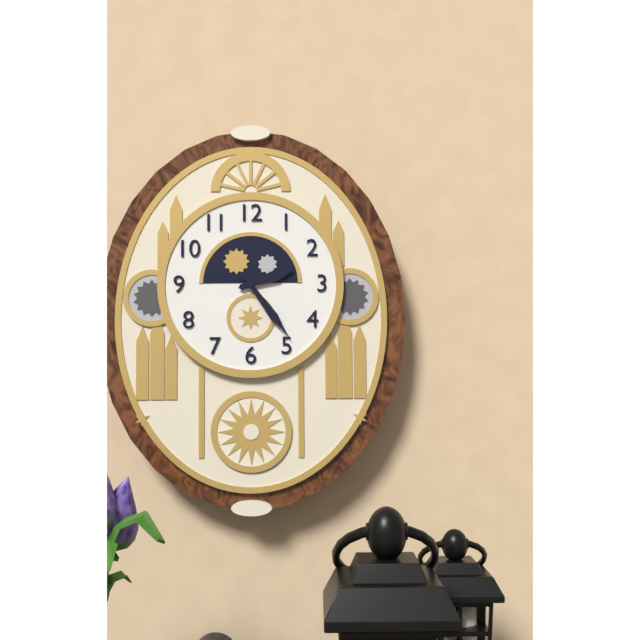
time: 2:24
